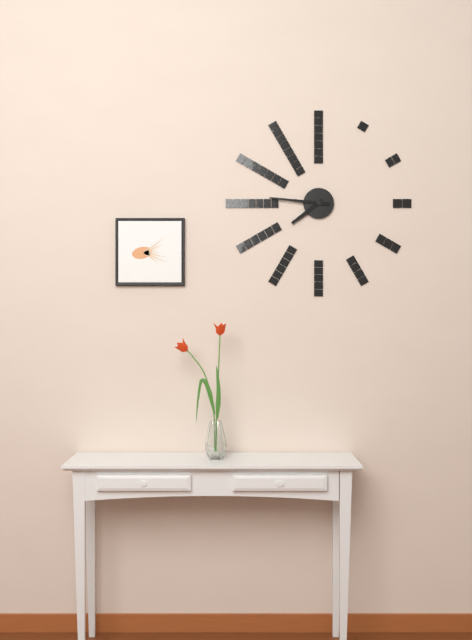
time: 7:46
